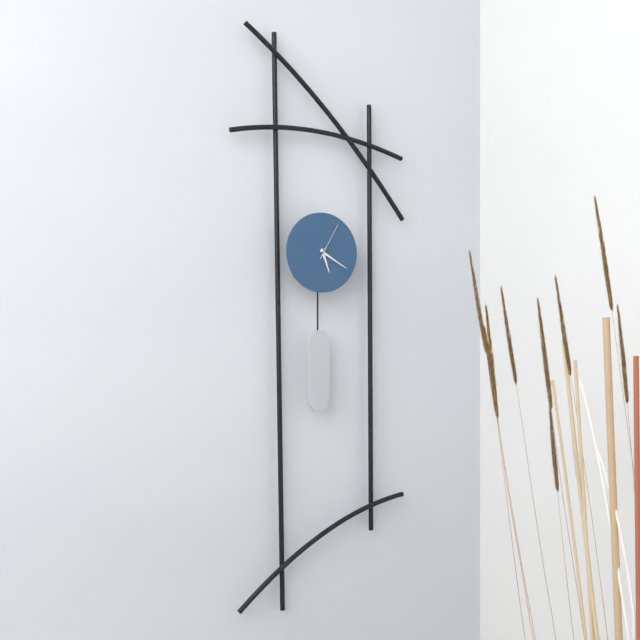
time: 5:20
